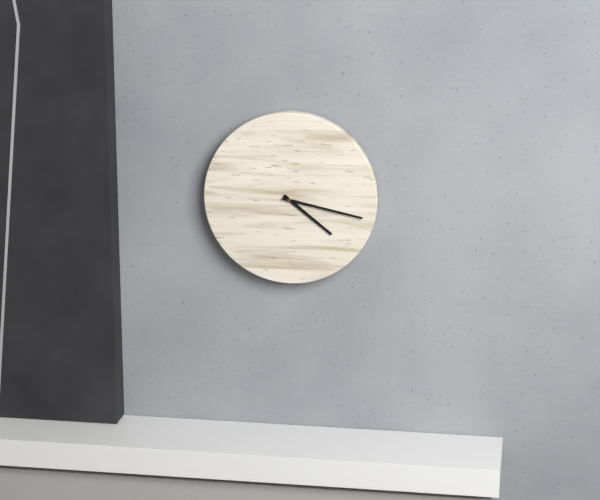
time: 4:17
